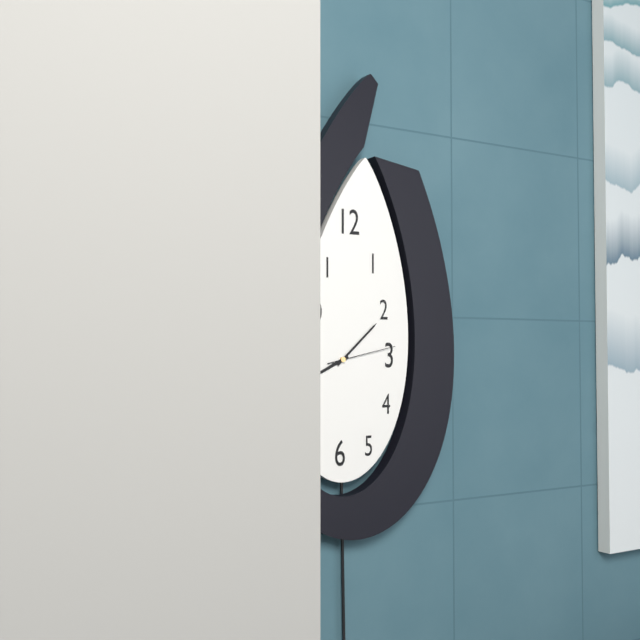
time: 8:08:13
